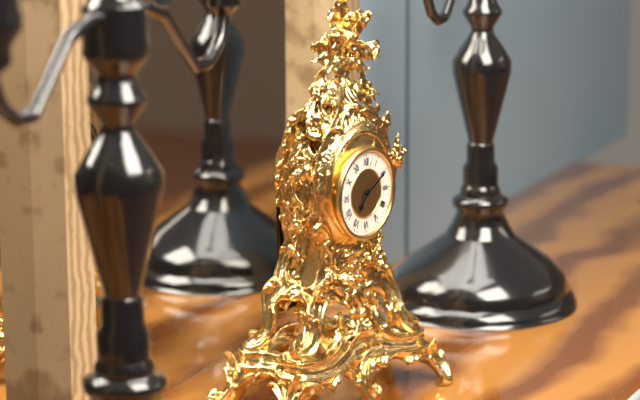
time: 7:10
